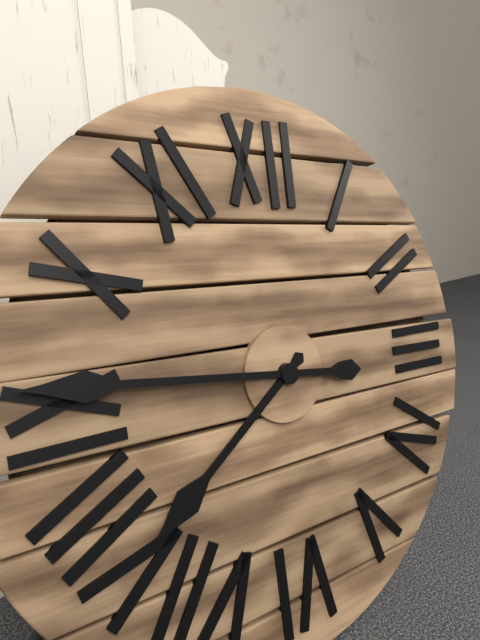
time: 7:46
